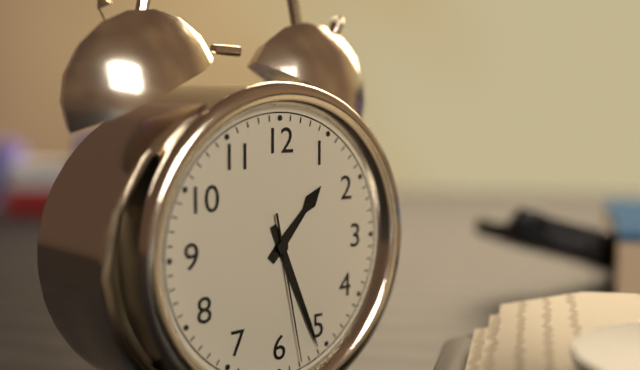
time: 1:26:28
